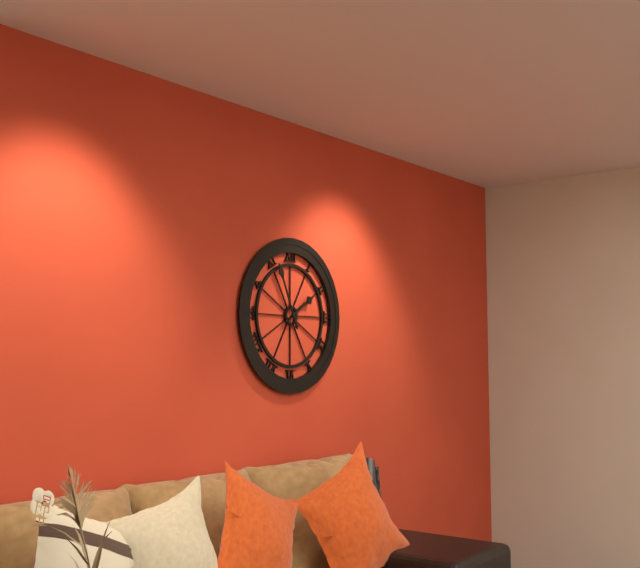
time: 1:56
